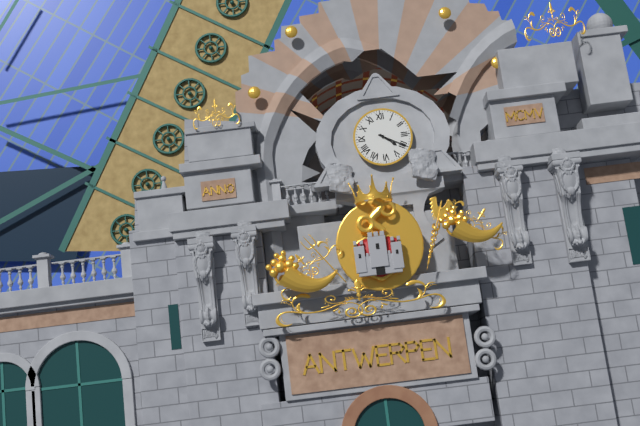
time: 4:20
